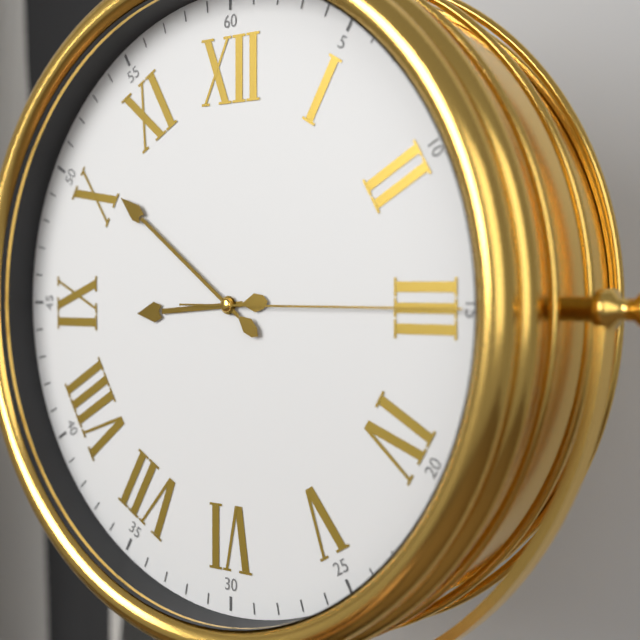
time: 8:51:15
